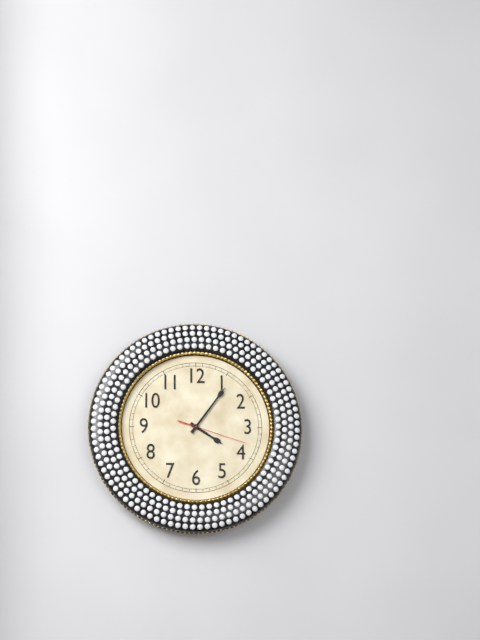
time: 4:06:18
